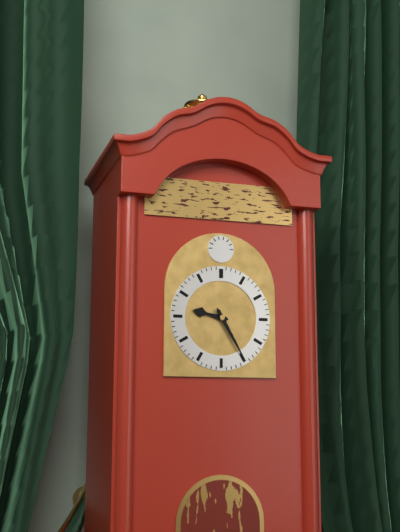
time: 9:25
